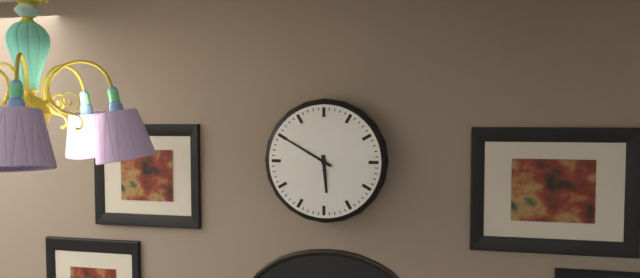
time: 5:50
